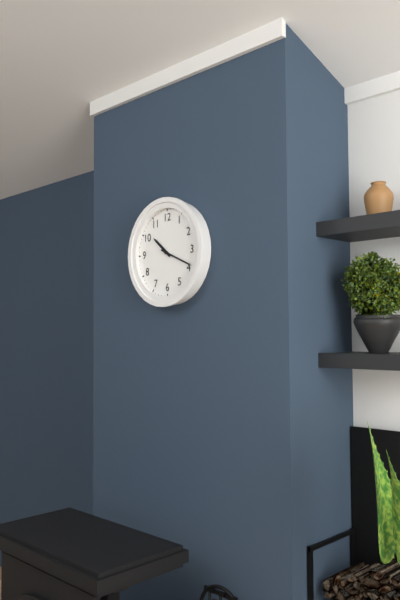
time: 10:19
